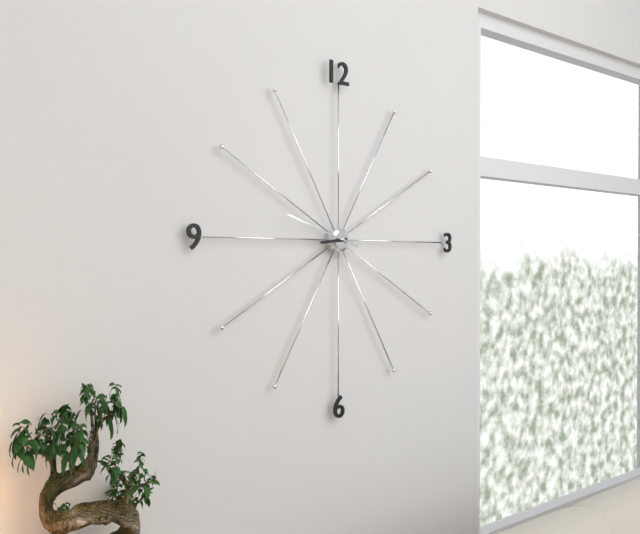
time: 8:48
